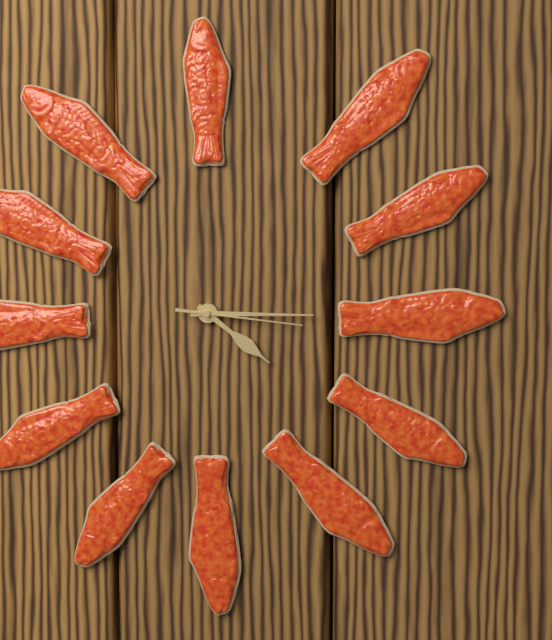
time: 4:15:16
